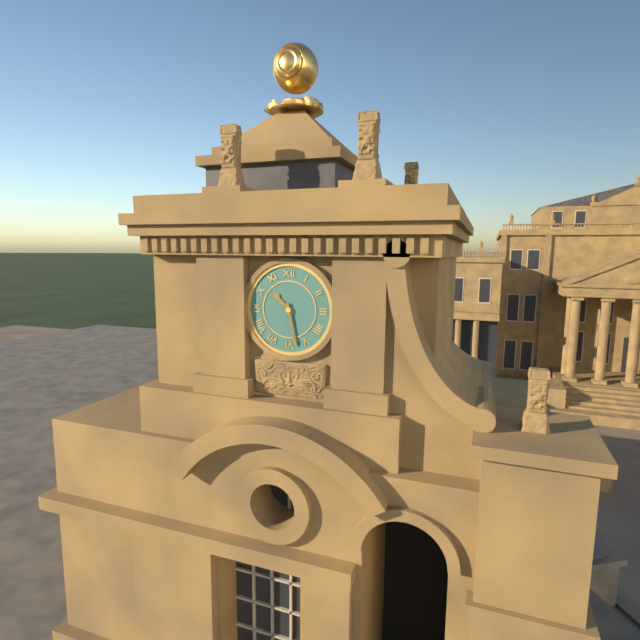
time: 10:28
